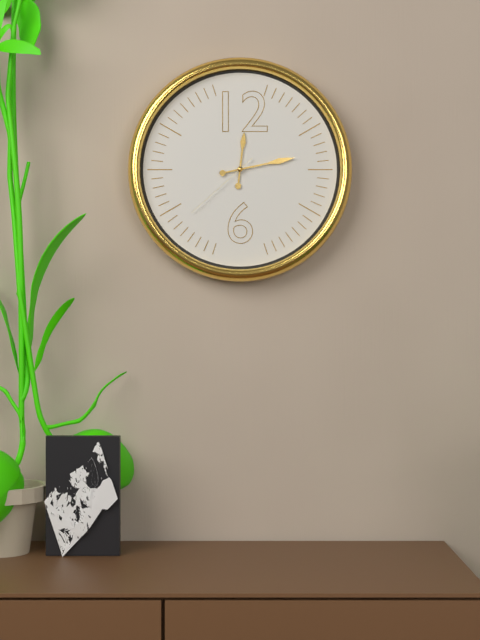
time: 12:13:38
